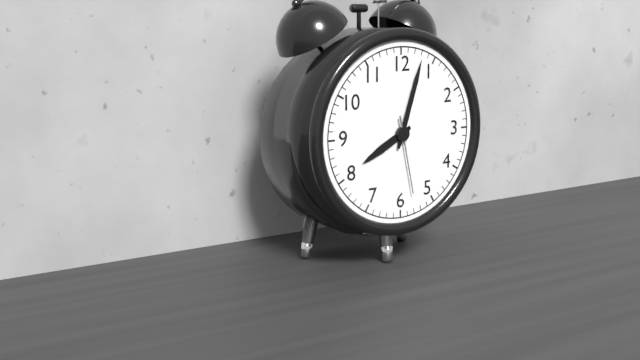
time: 8:03:28
